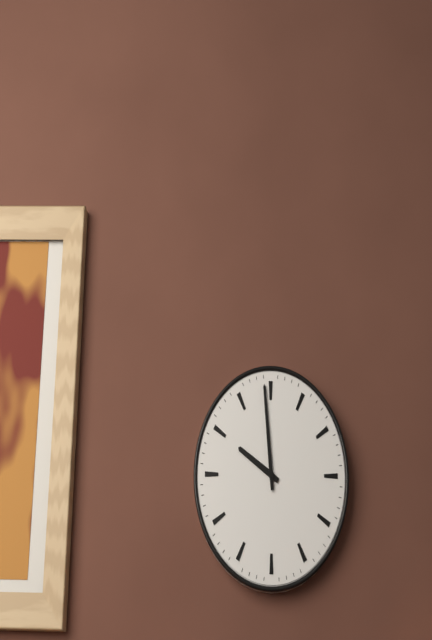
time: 9:59
